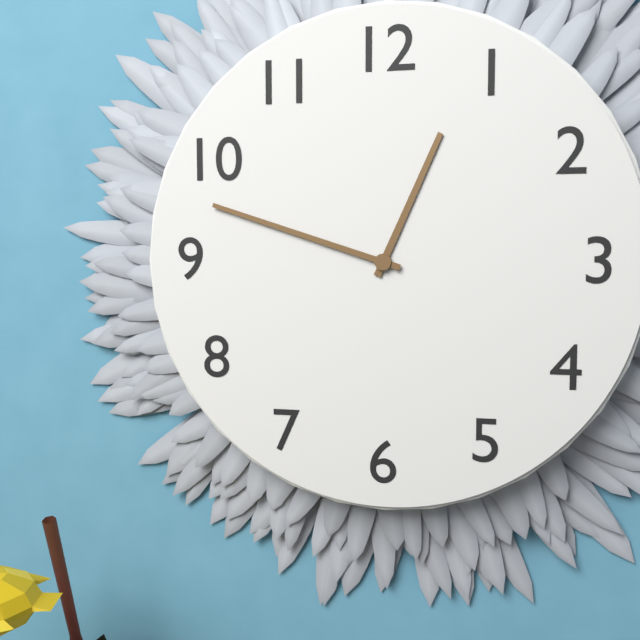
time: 12:48
